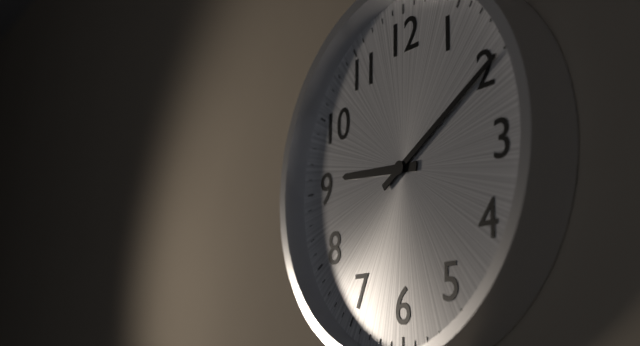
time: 9:10
